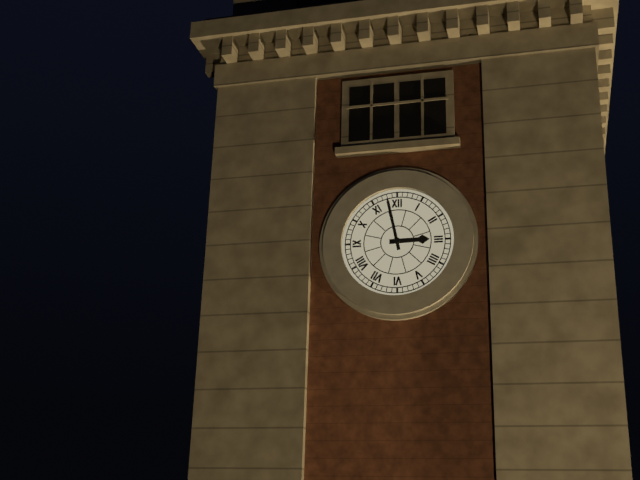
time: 2:58
